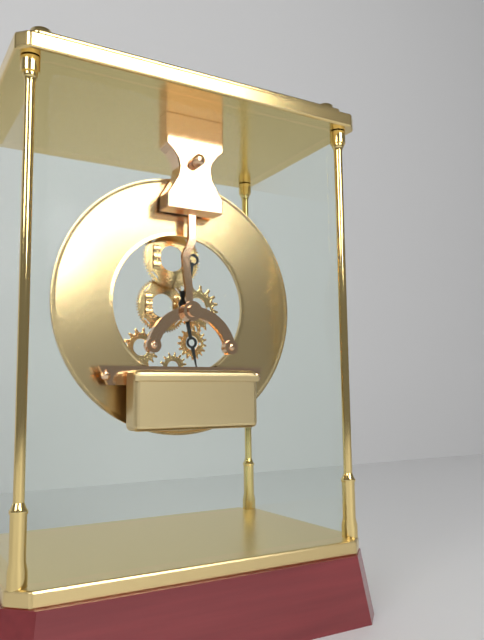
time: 12:28
